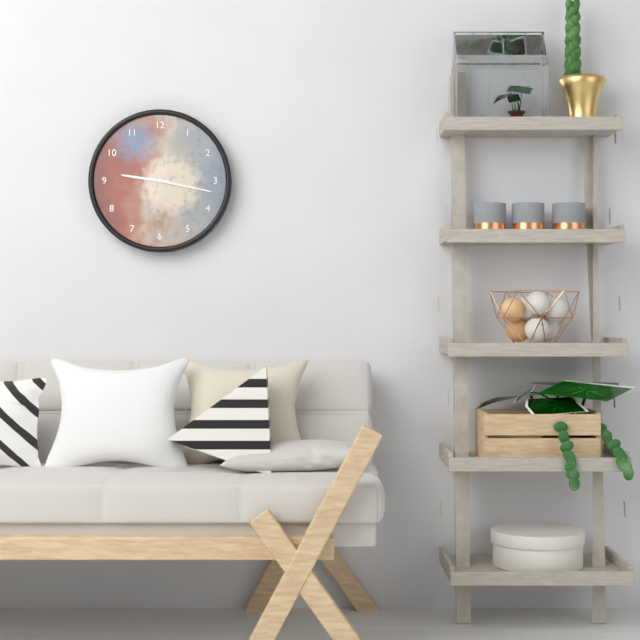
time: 9:17
